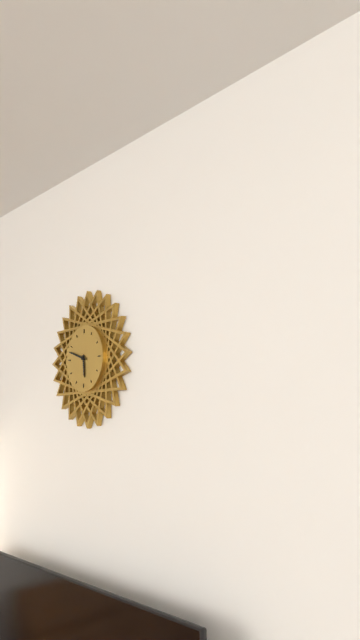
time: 5:48
